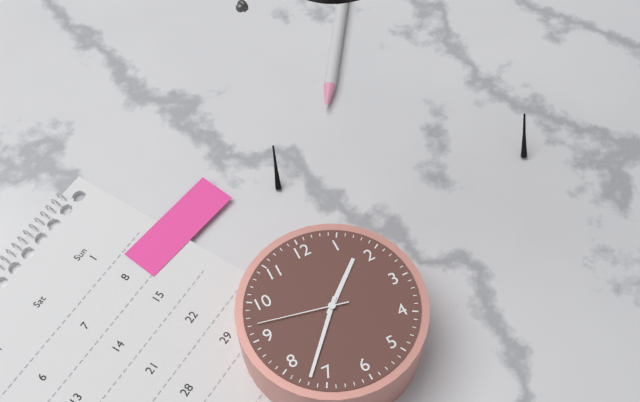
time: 1:37:47
